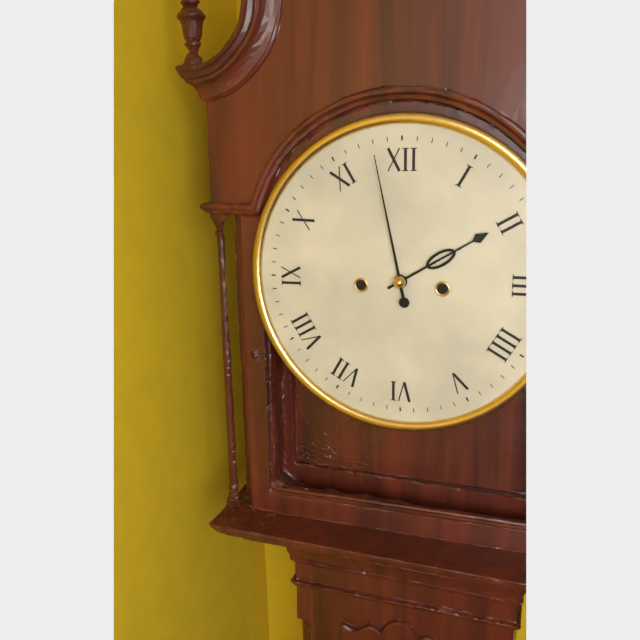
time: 1:58
